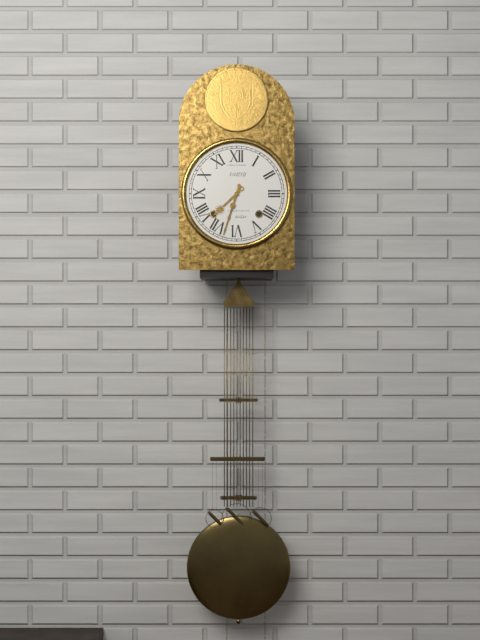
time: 7:33
